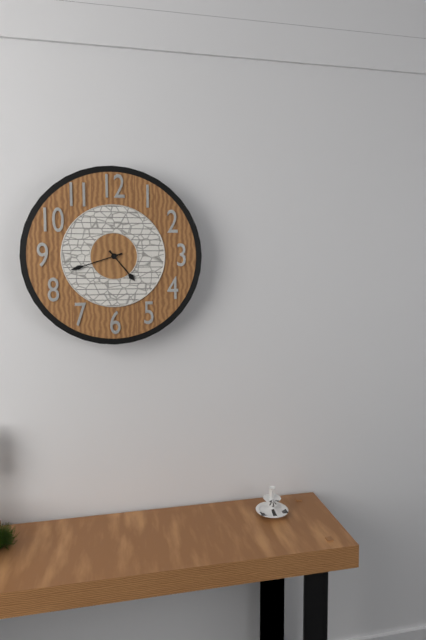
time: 4:42
